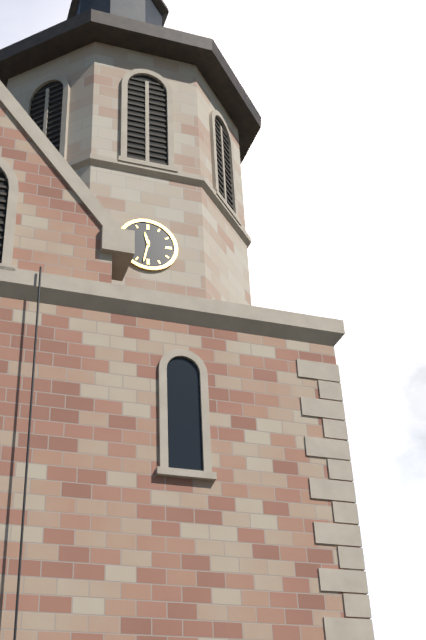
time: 11:32
